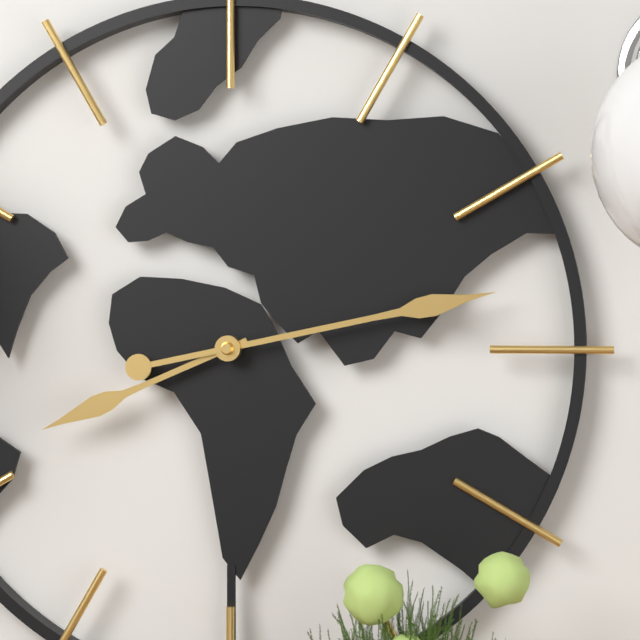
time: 8:13
